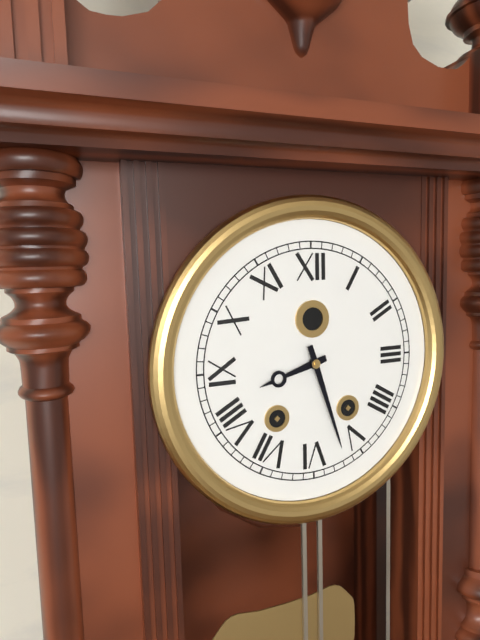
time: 8:27
